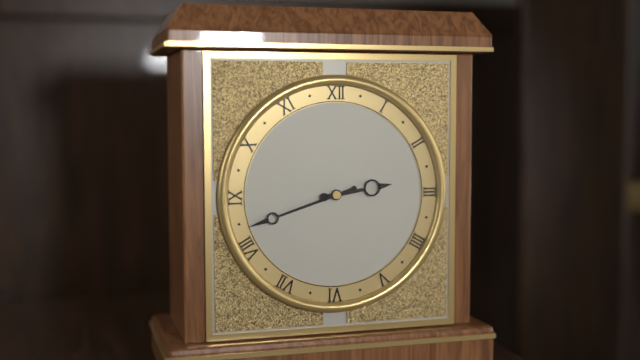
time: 2:42
